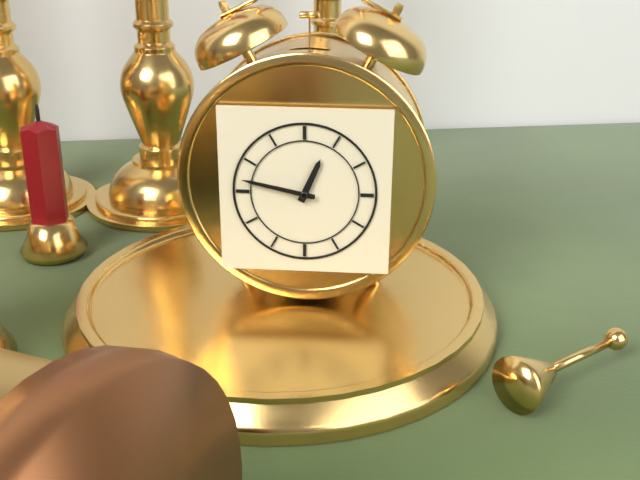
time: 12:47
